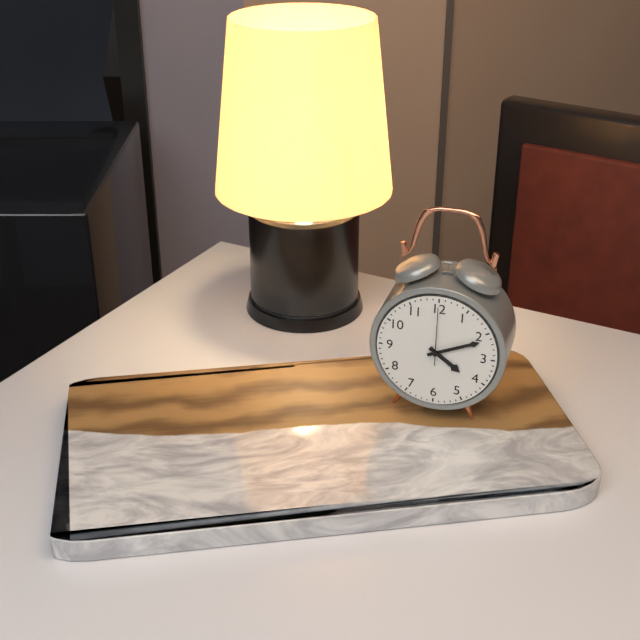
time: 4:11:00
